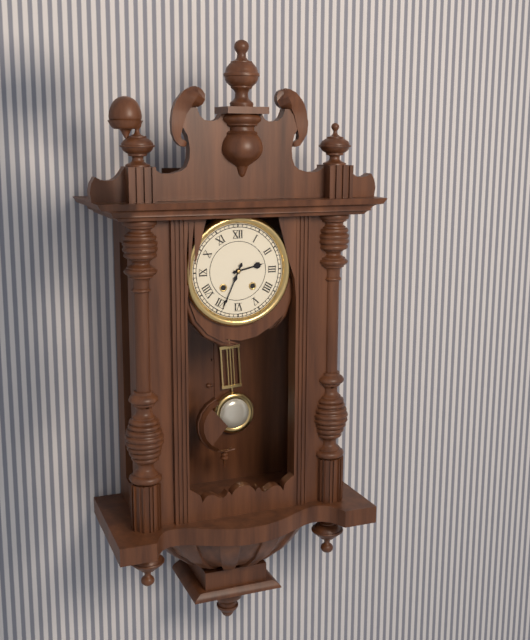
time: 2:34
